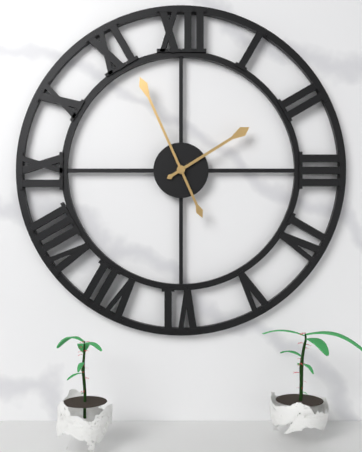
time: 1:56
